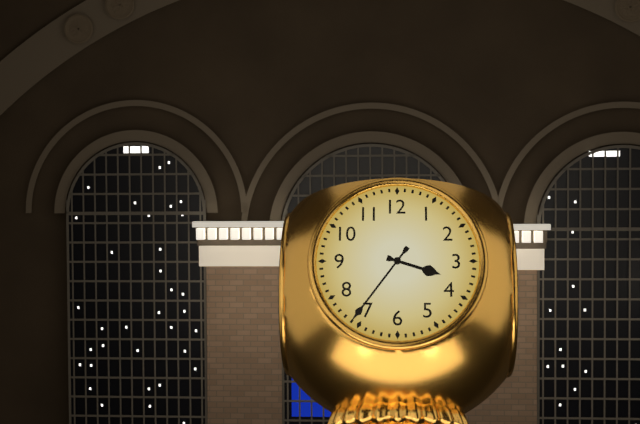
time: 3:36
